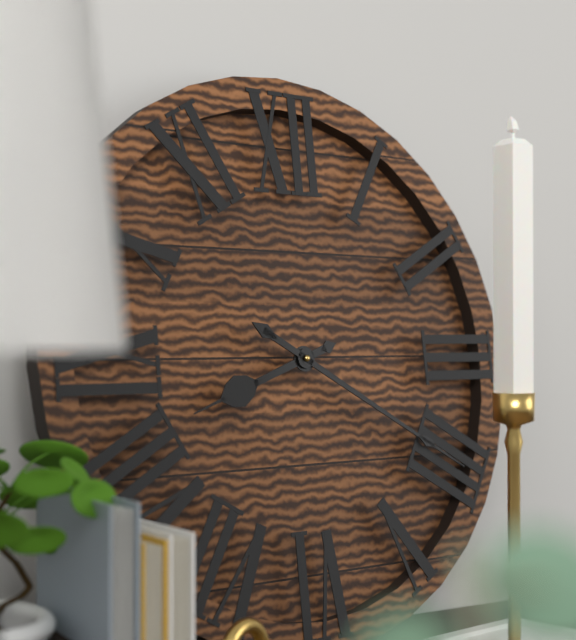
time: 8:20
